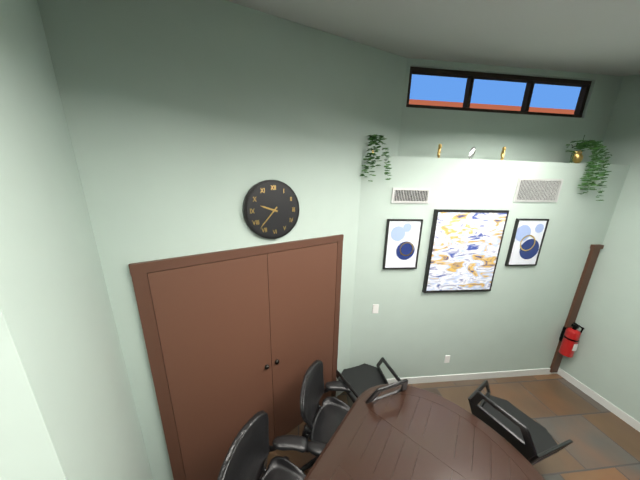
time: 9:37
